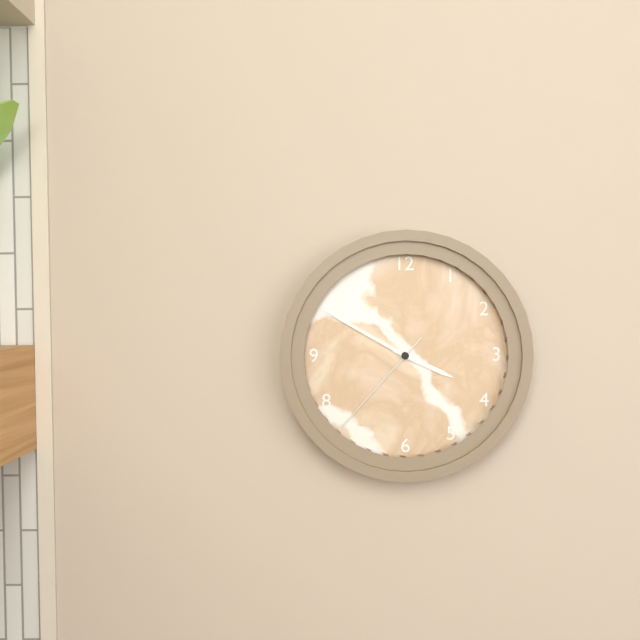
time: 3:50:37
